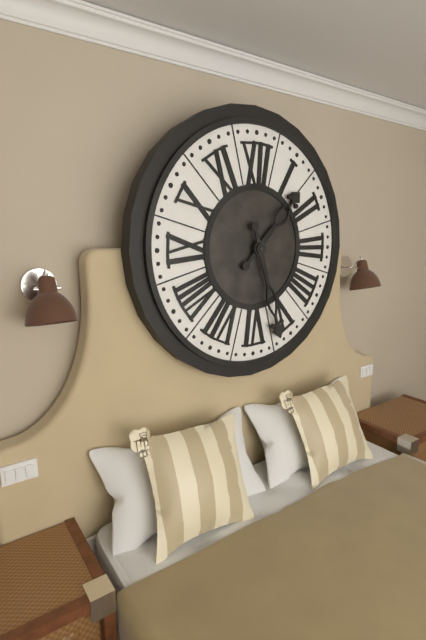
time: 1:27
